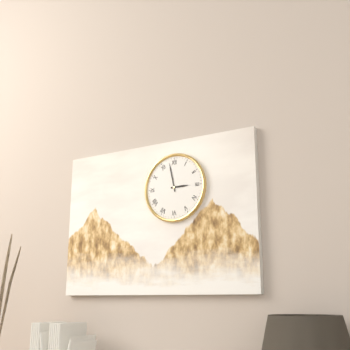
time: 2:58
